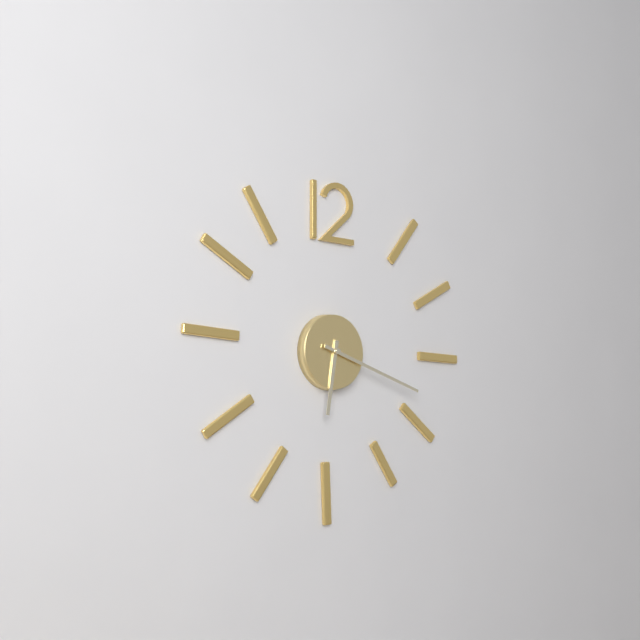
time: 6:18
